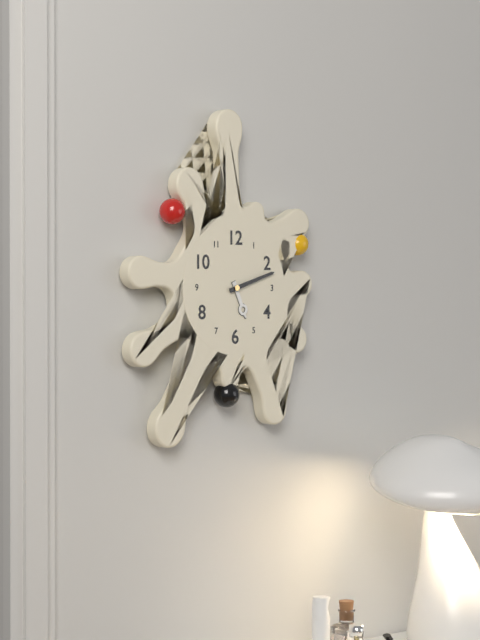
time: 5:12
